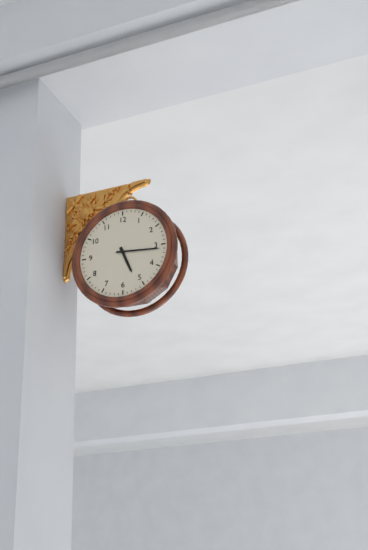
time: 5:16
